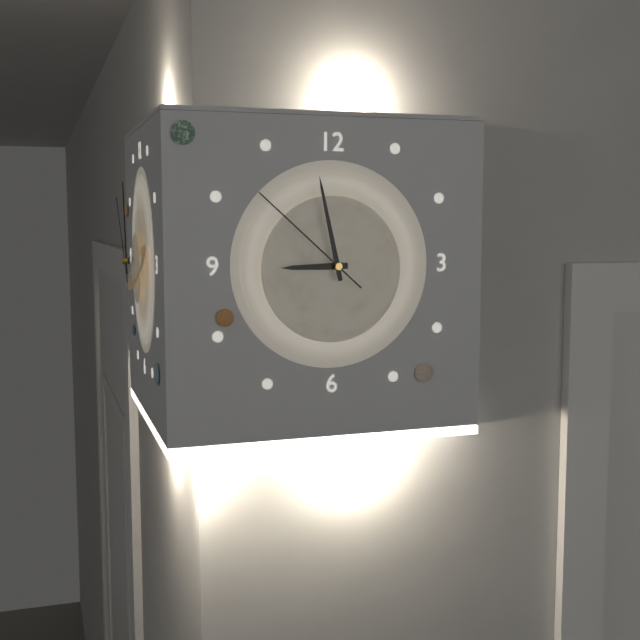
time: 8:58:52
